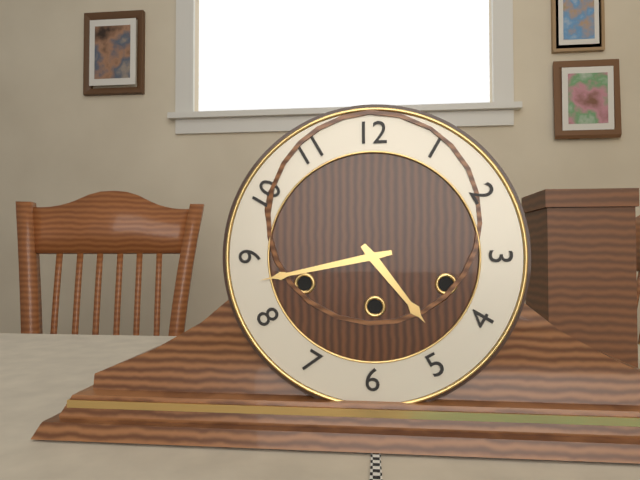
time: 4:43
